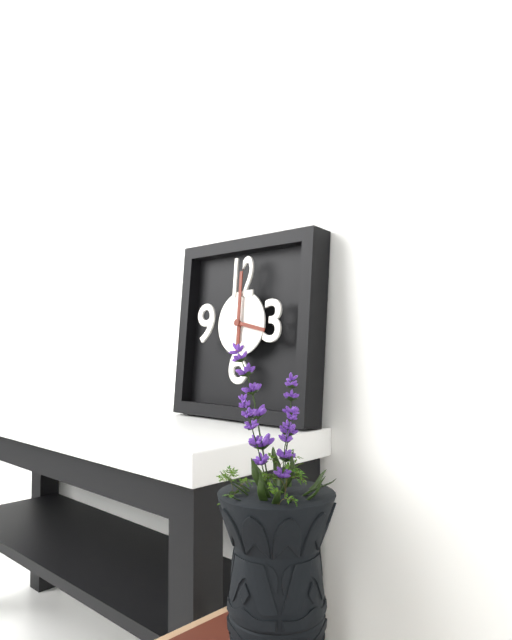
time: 6:00
